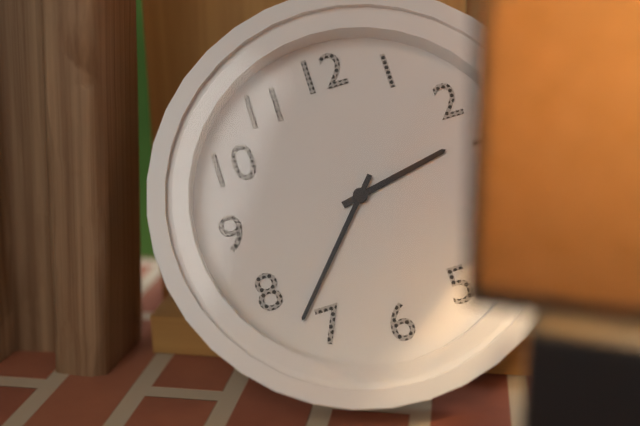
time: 2:37
